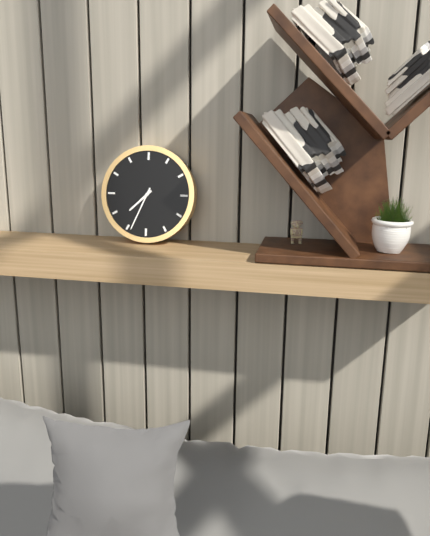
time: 7:34
